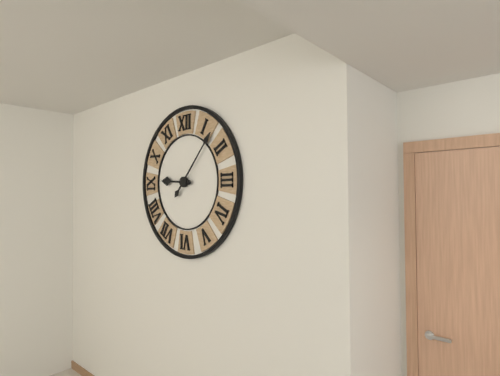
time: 9:07
